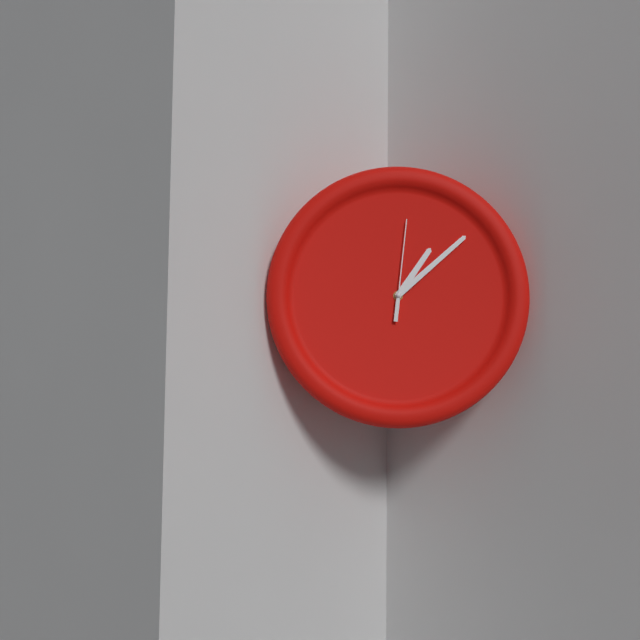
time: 1:08:01
